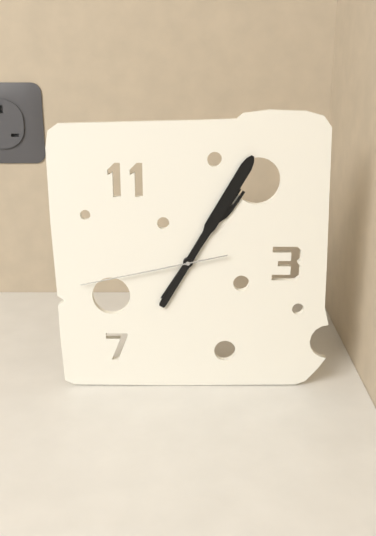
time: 1:05:43
